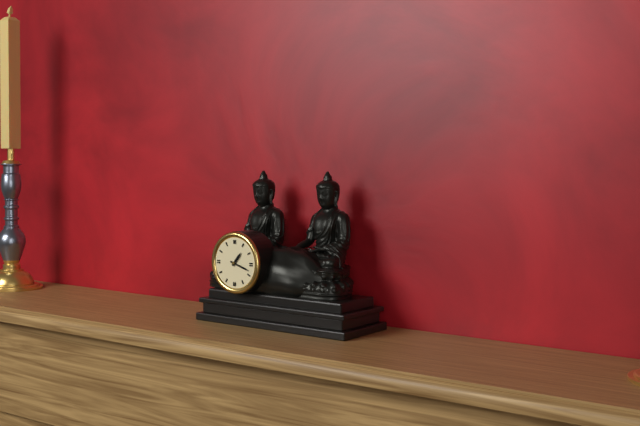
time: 1:18
